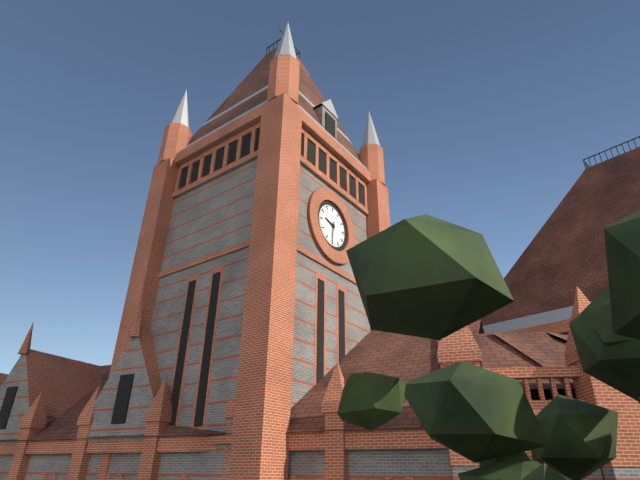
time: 9:31
